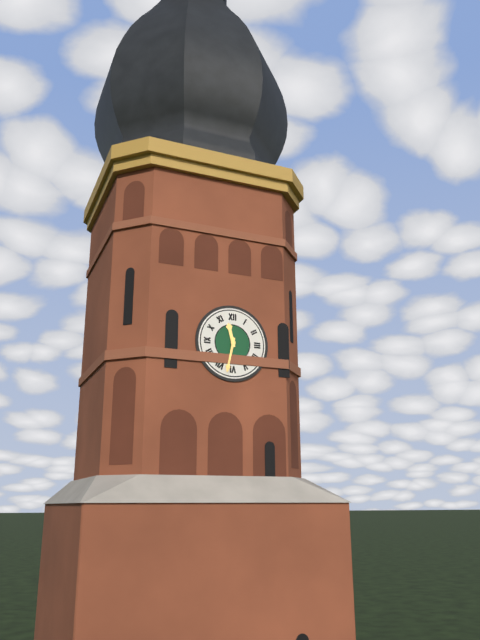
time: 11:32
